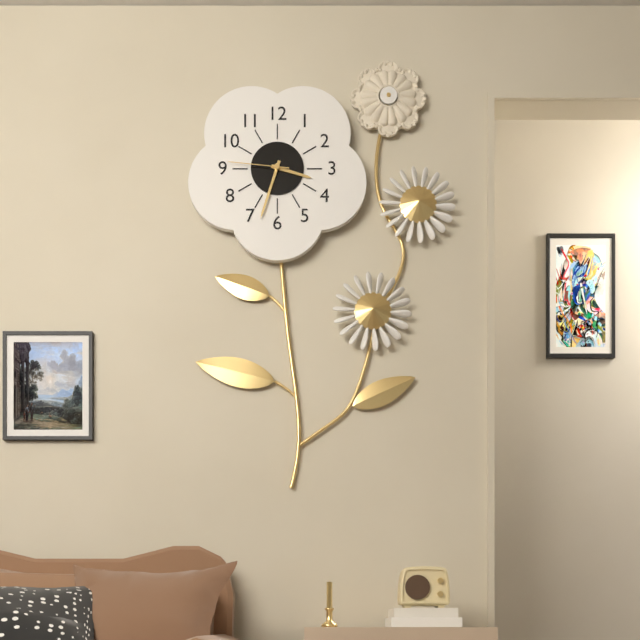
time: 3:33:46
